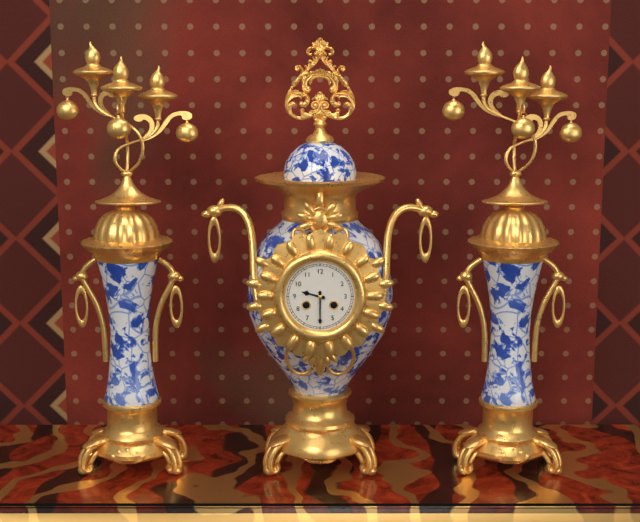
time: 9:30
